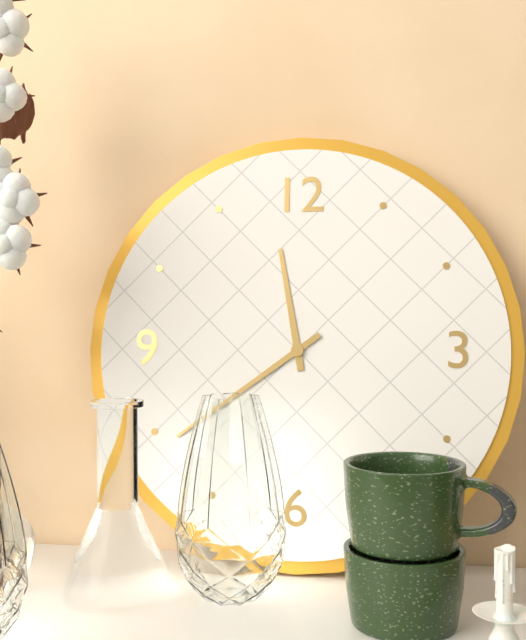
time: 11:39
